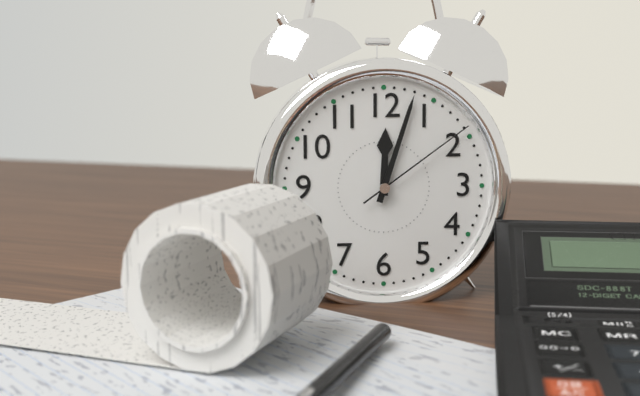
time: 12:03:09
